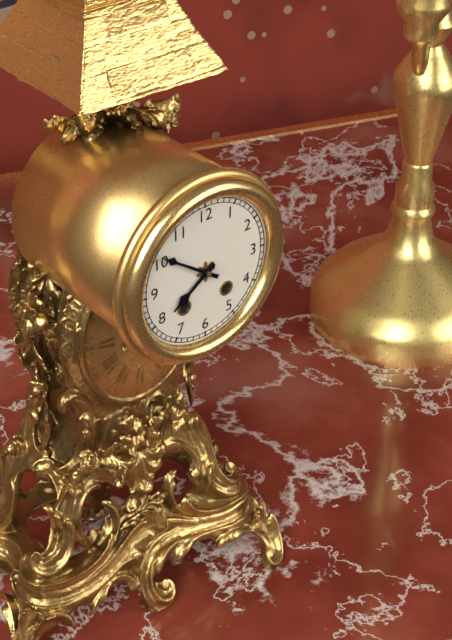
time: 7:51
